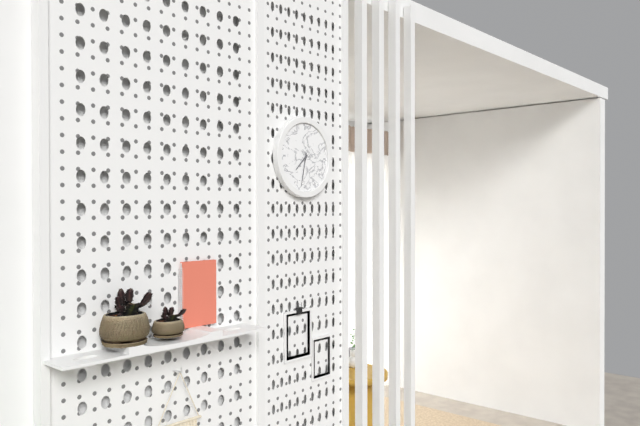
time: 7:32
